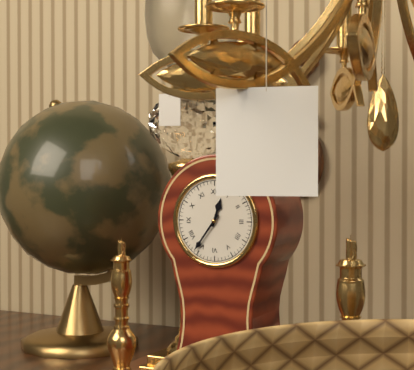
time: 12:36
